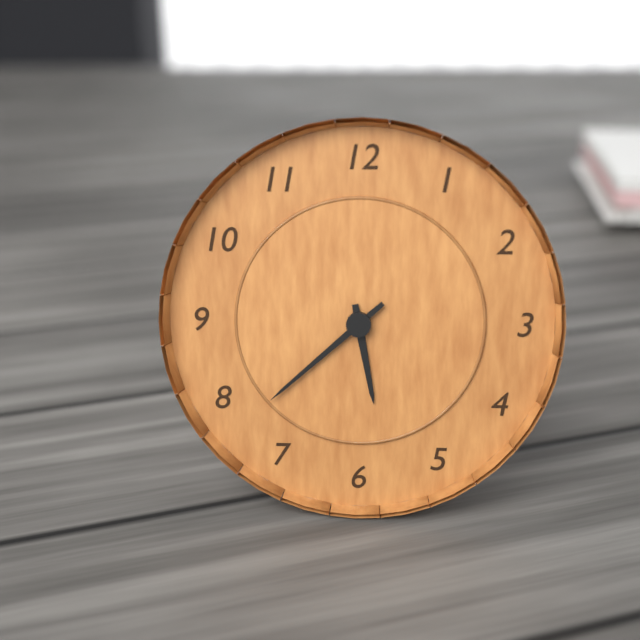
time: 5:38
